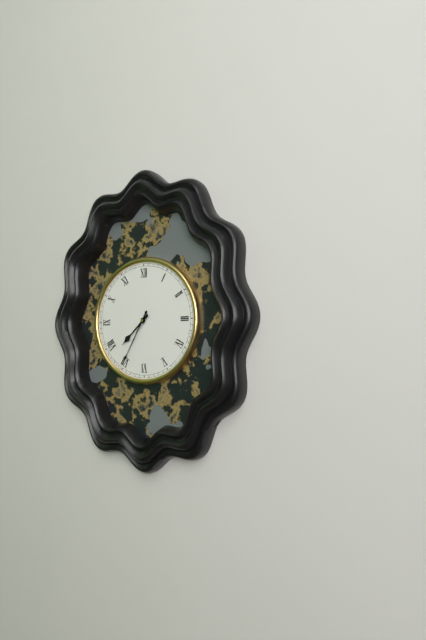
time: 7:35
